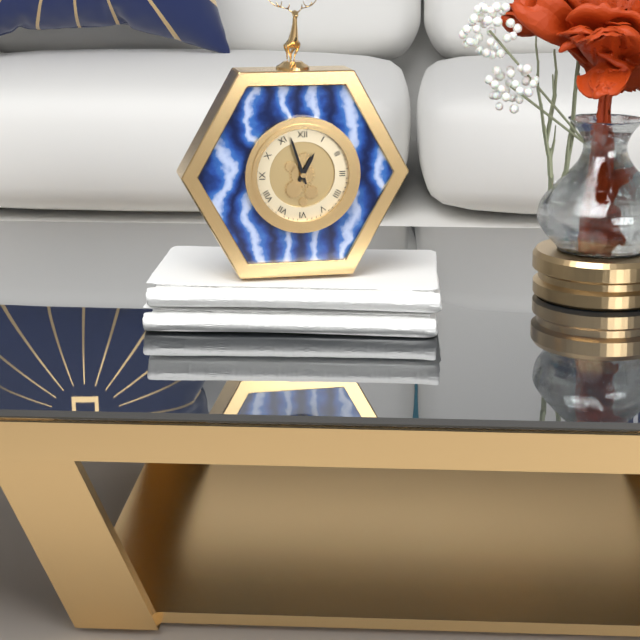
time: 12:57
